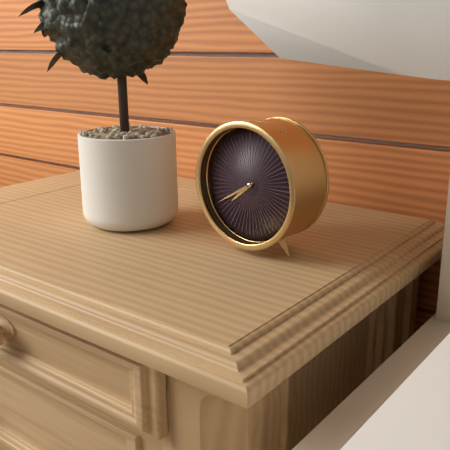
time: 7:40
